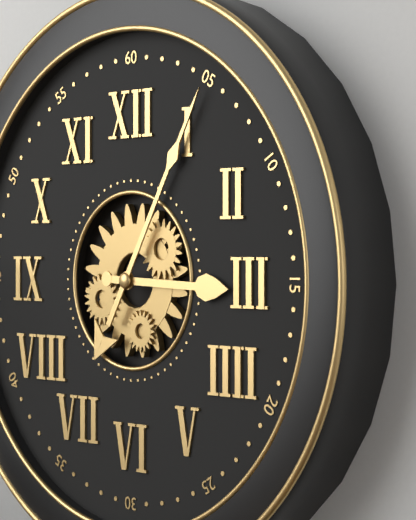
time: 3:05
